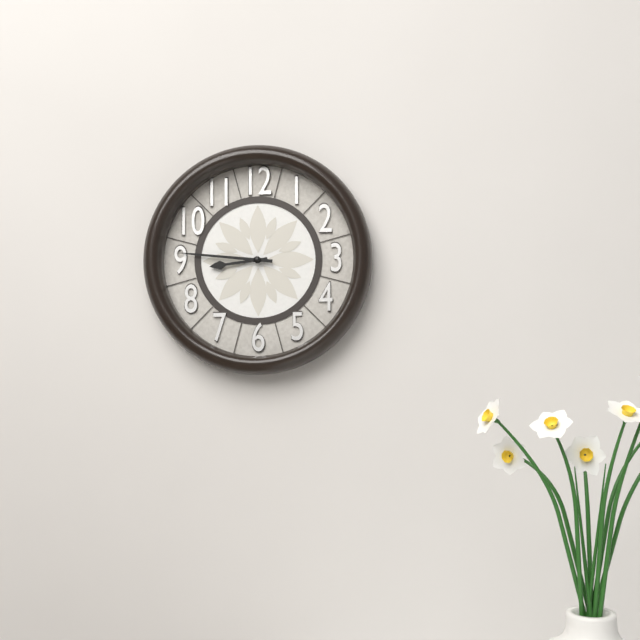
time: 8:46
